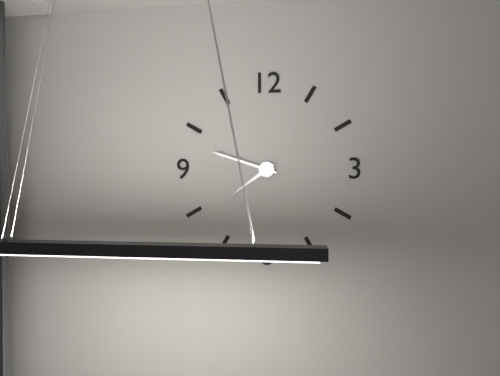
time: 7:48
